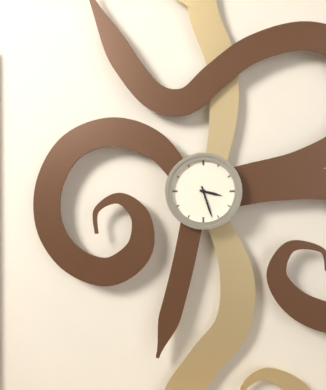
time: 3:27
